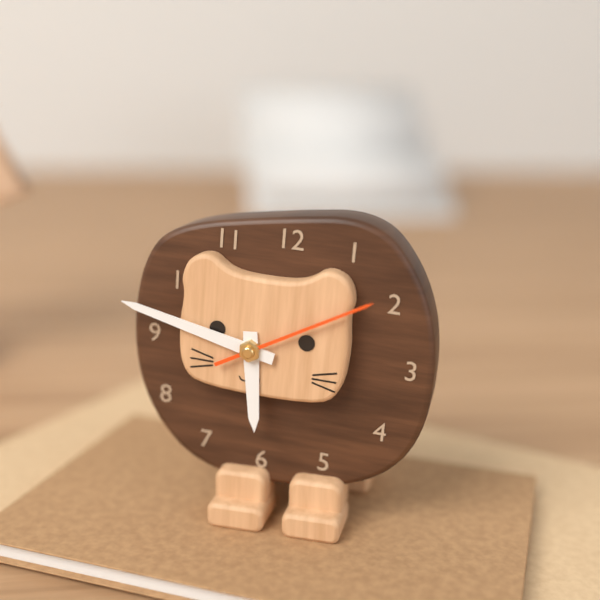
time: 5:47:10
